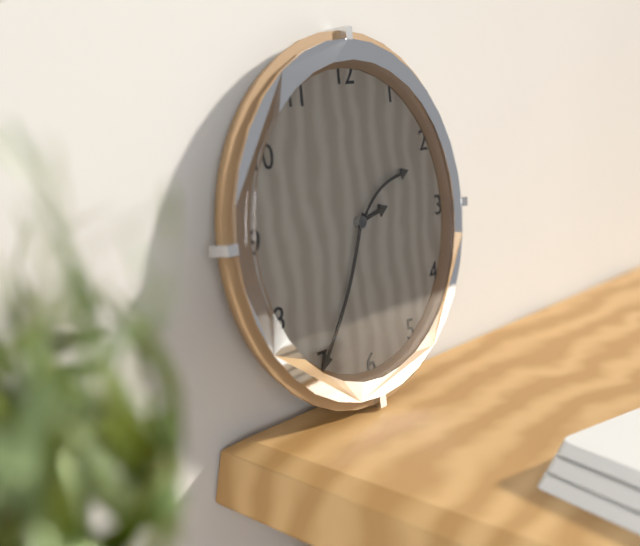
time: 2:35:10
